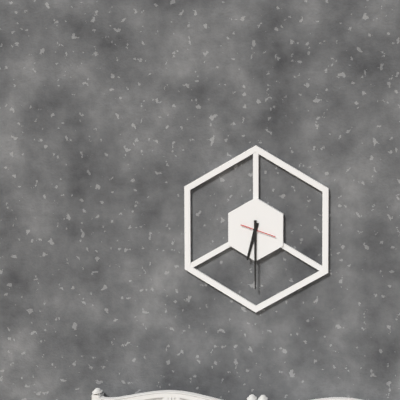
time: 6:30
